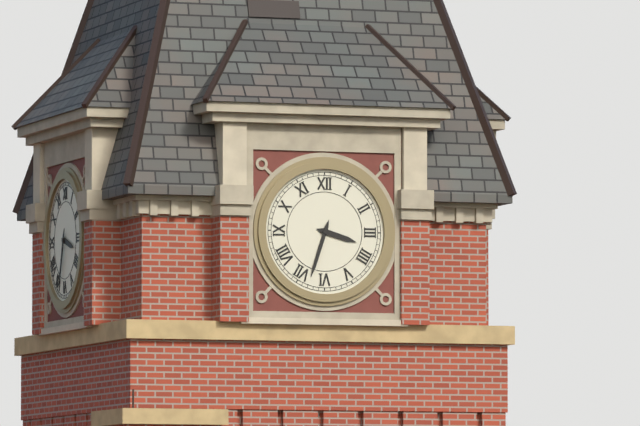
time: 3:33
